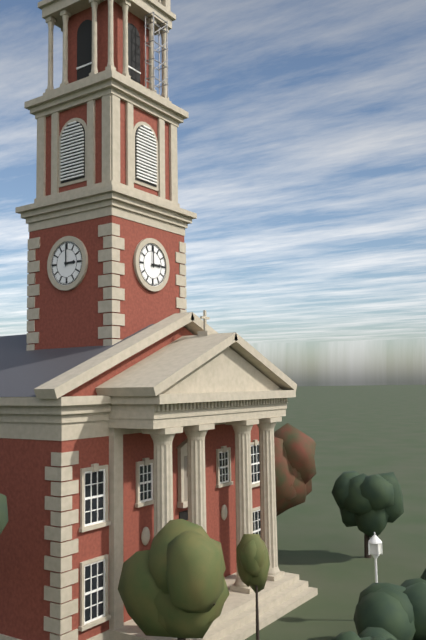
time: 3:00
